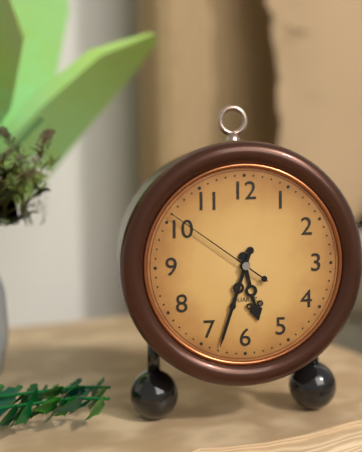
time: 5:33:51
